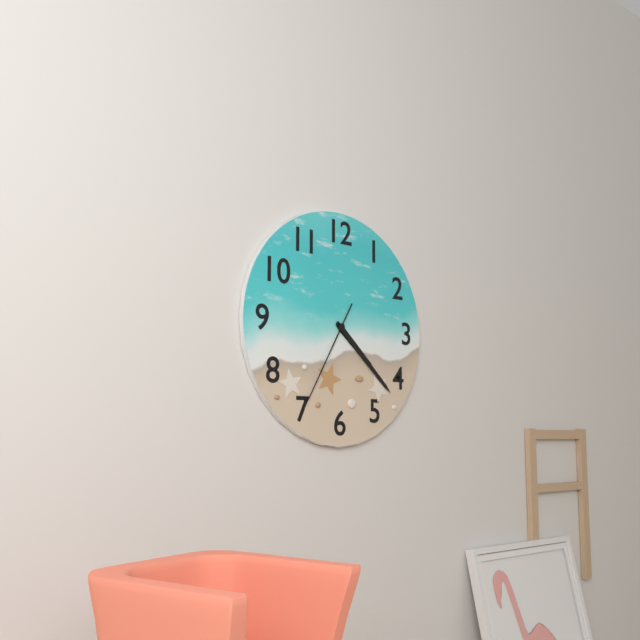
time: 4:22:35
